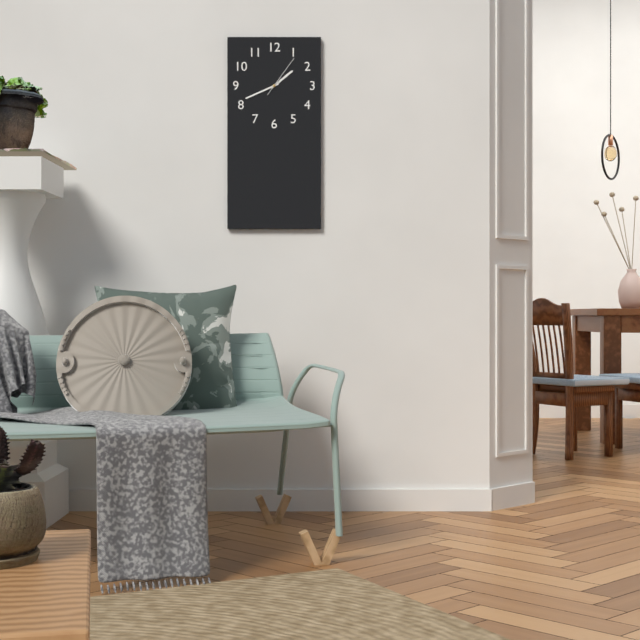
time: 1:41
